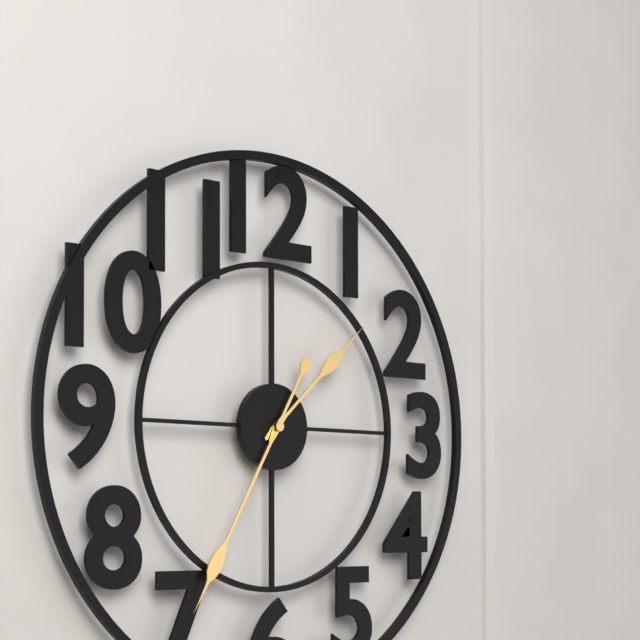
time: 1:35
